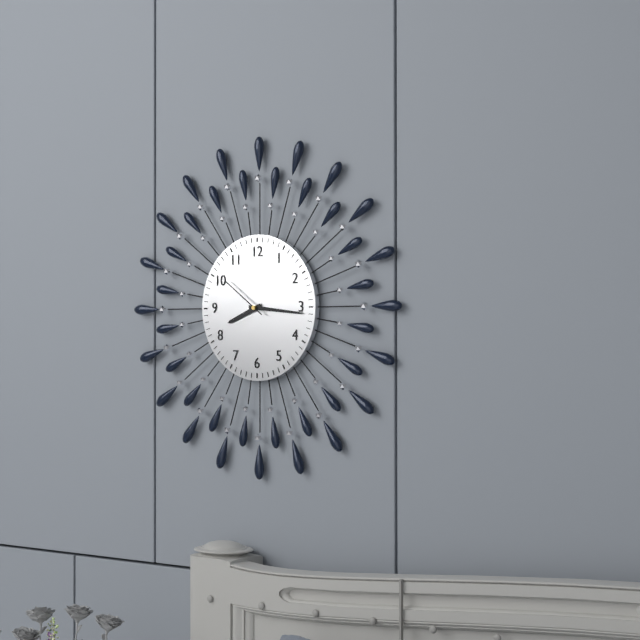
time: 8:16:51
